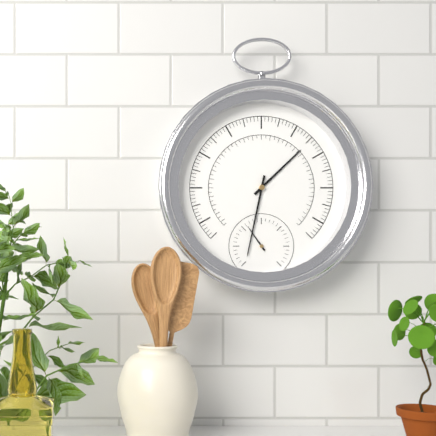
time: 1:32
